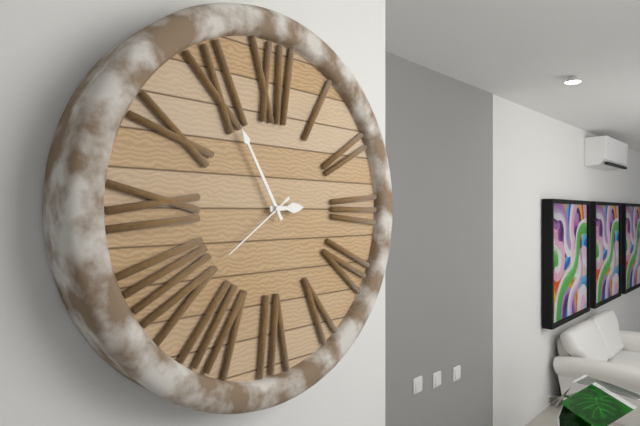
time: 2:55:39
